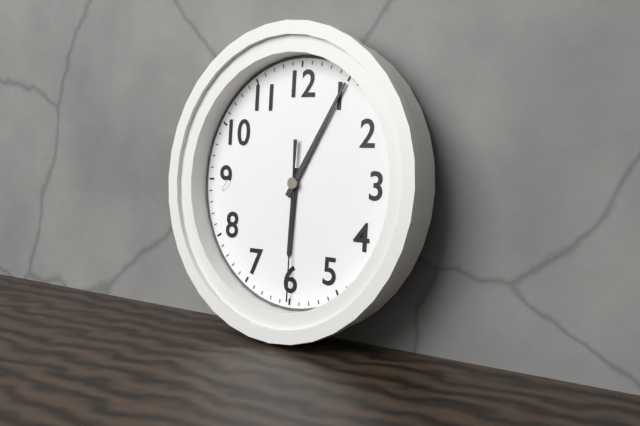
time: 6:05:30
